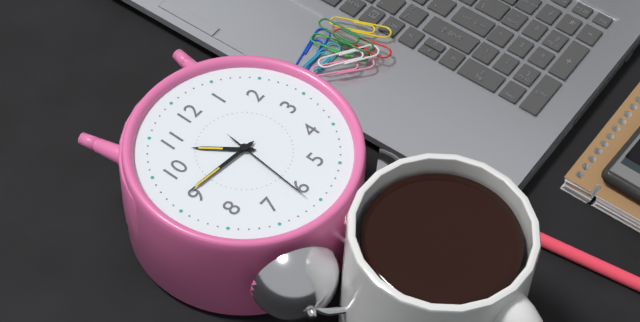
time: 10:46:31
